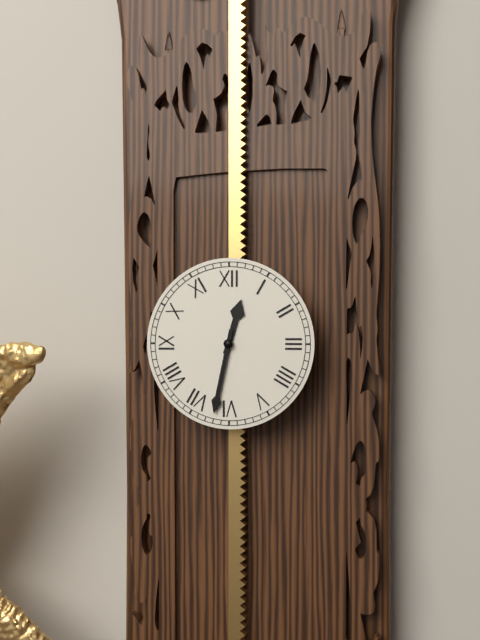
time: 12:32
